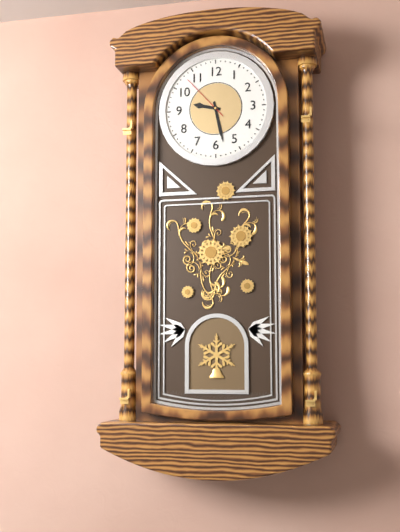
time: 9:28:53
